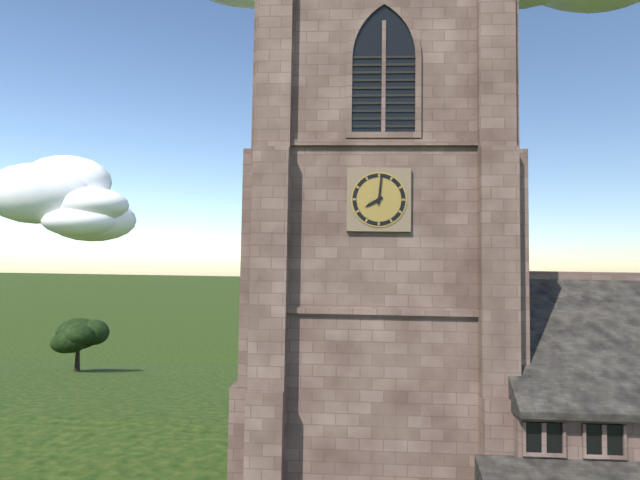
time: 8:01
